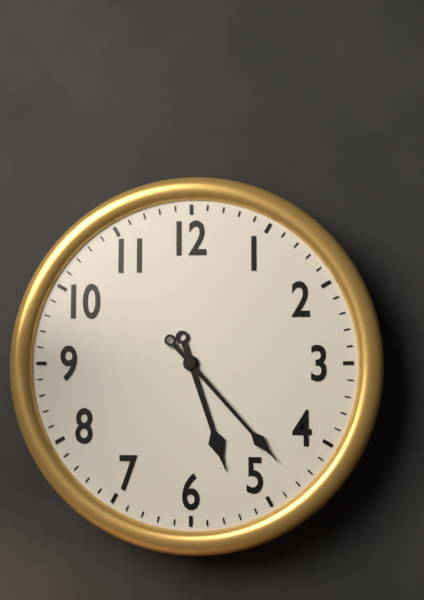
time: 5:23
